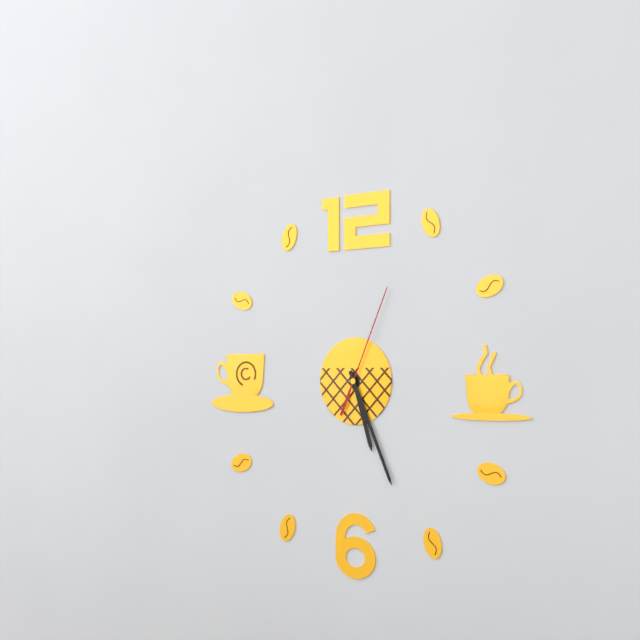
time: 5:26:04
